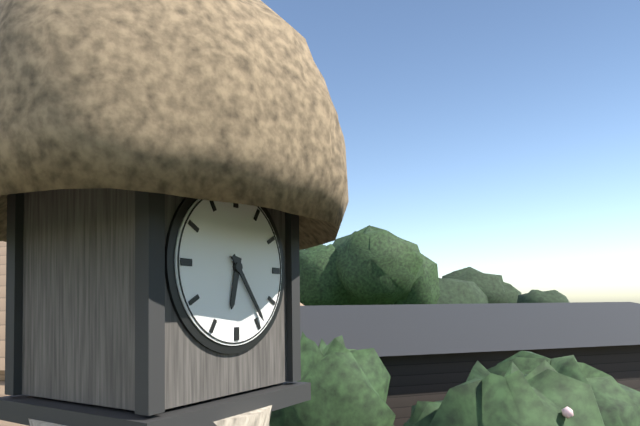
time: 6:24
